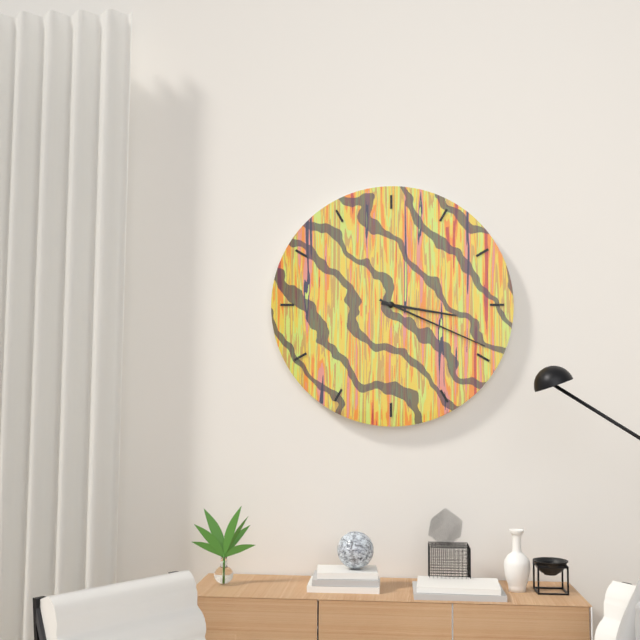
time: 3:19
